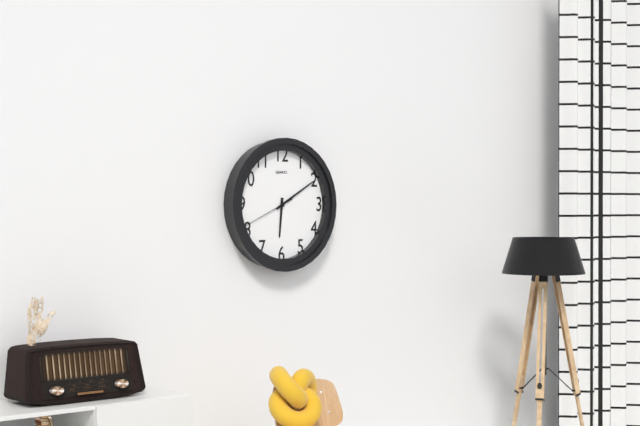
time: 6:10:41
